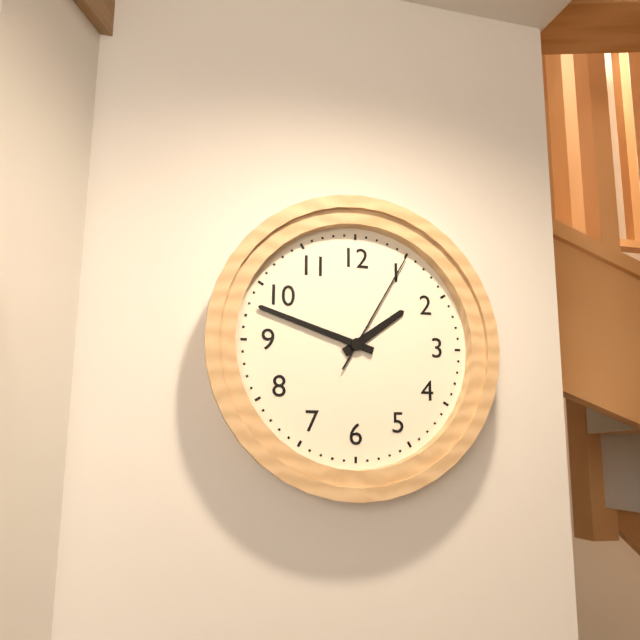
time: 1:48:05
